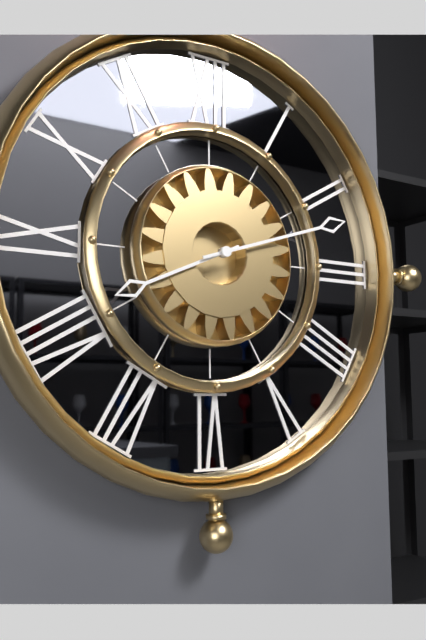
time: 8:12
